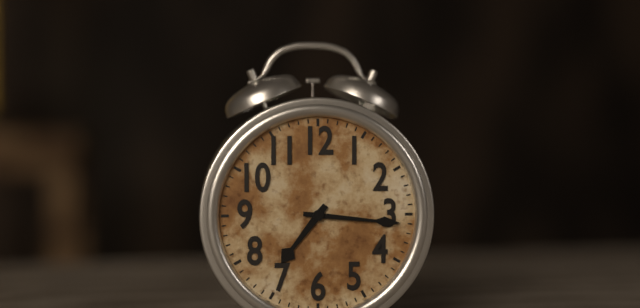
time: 7:16
